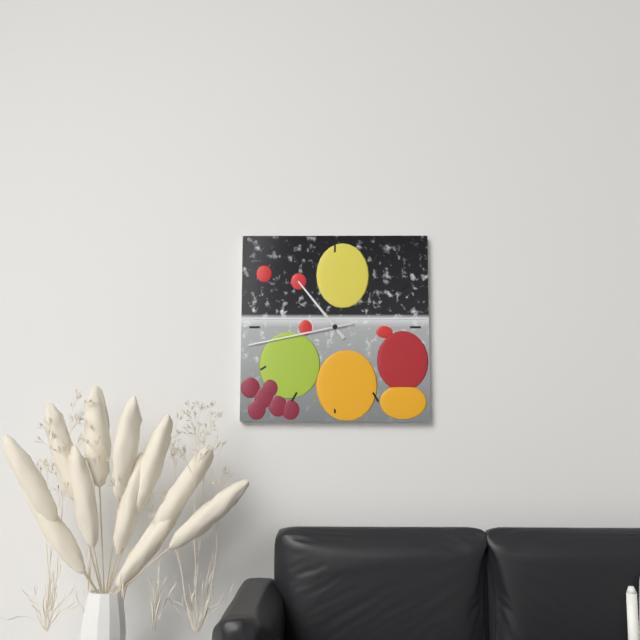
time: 10:43
